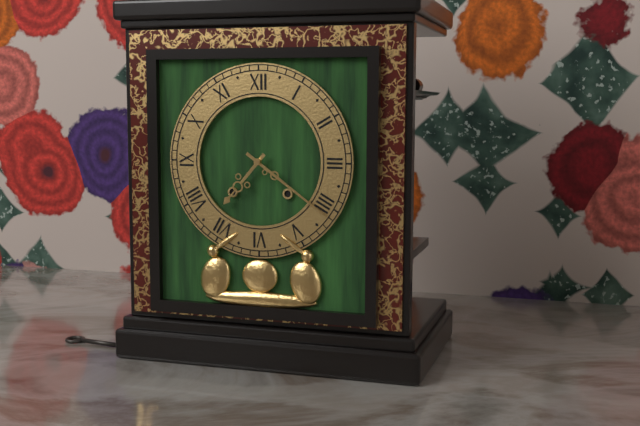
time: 7:21
